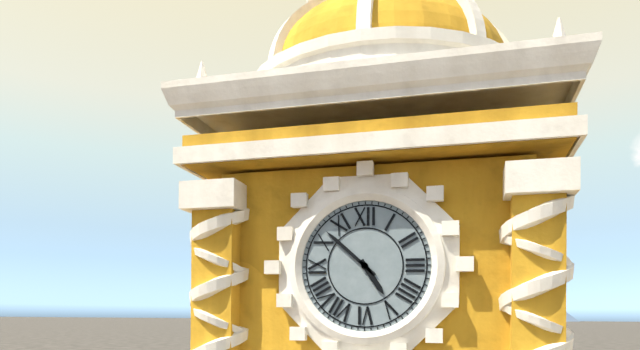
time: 4:52
